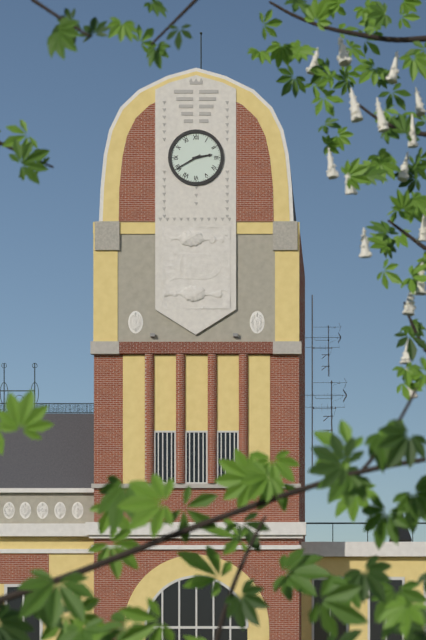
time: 2:40
